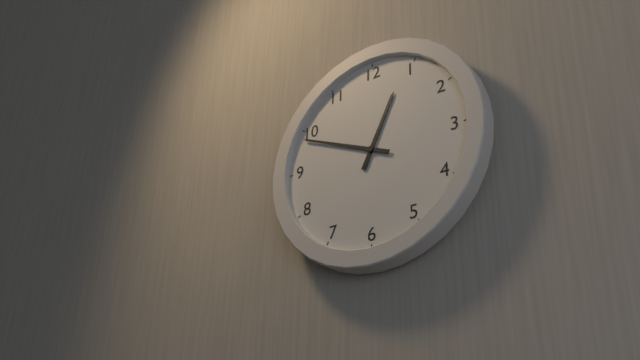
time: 12:49
